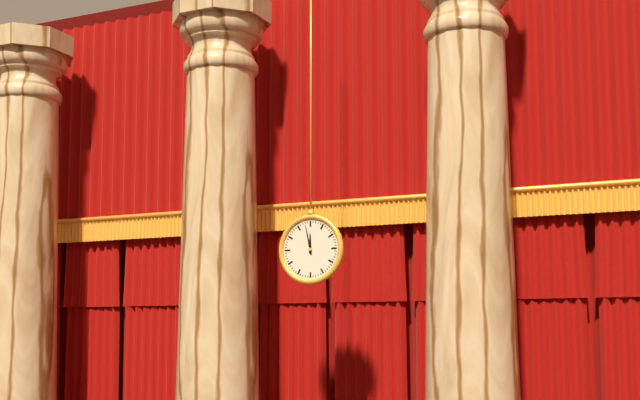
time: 11:58
